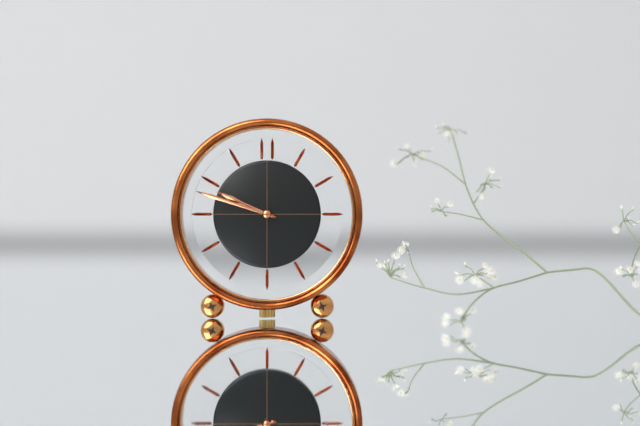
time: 9:48
